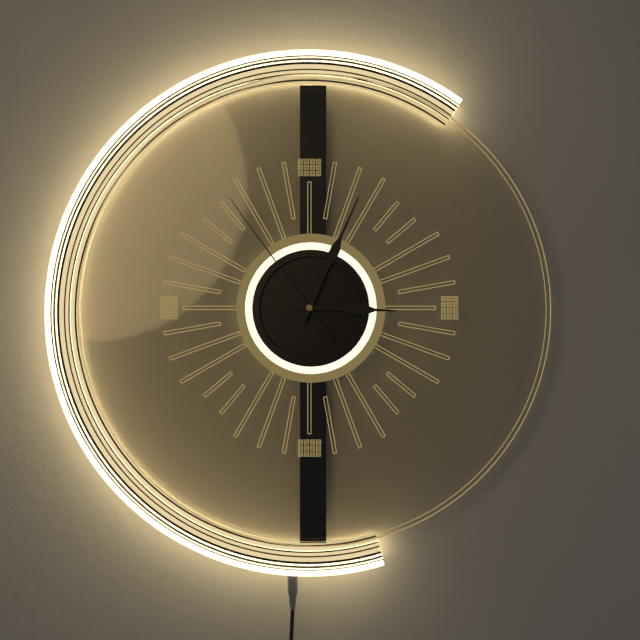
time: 3:04:54
